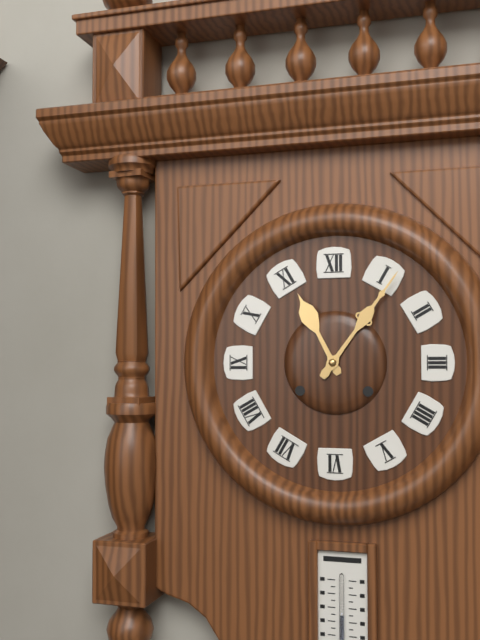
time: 11:06
